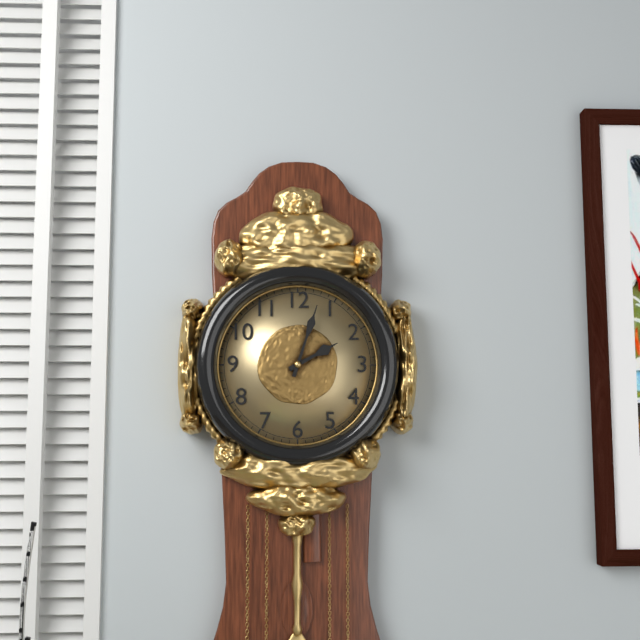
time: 2:03
